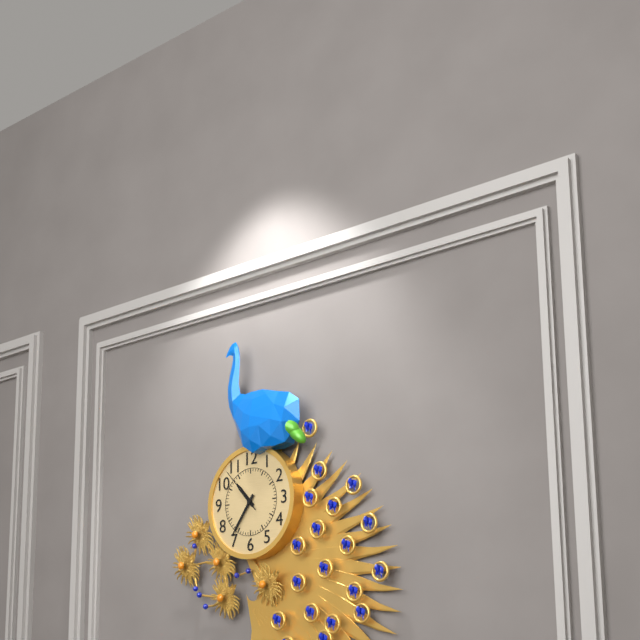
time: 10:36
